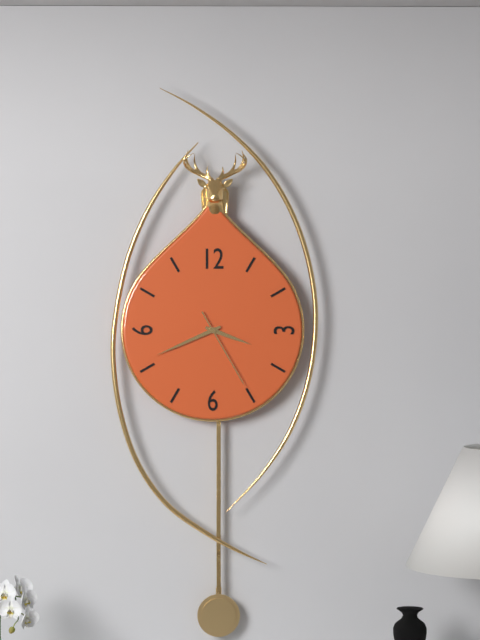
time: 3:41:25
